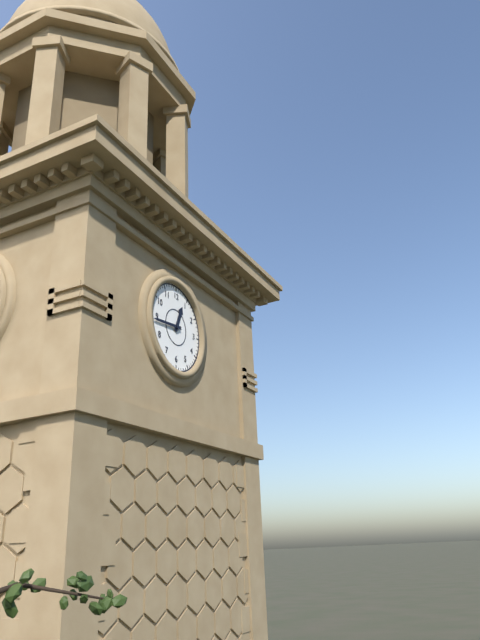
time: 12:44
